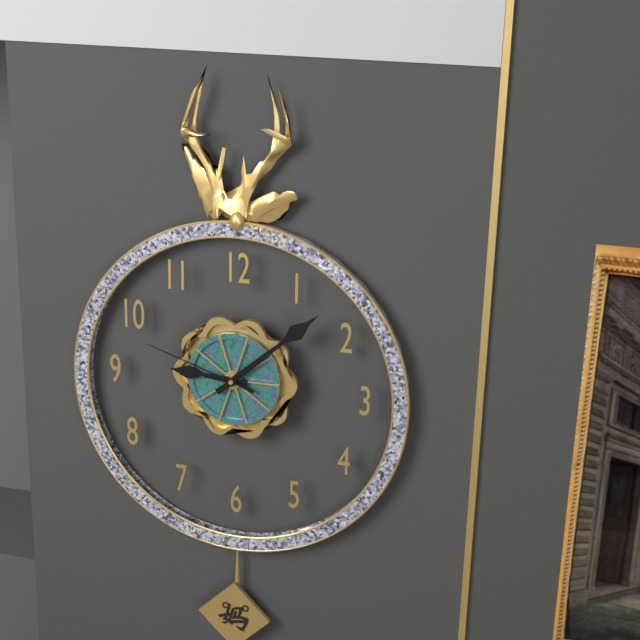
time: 9:08:48
